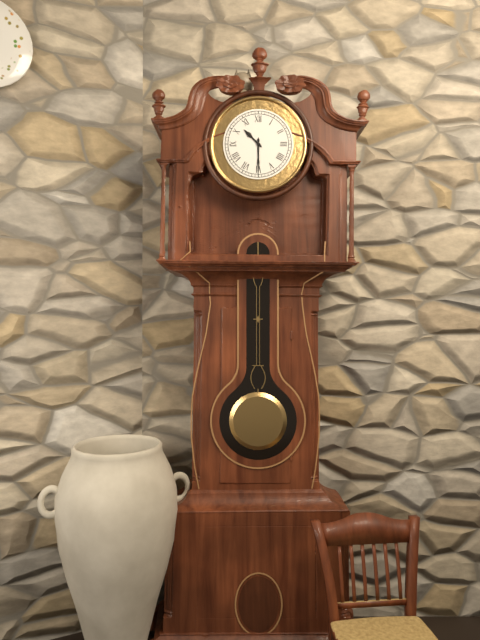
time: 10:30
